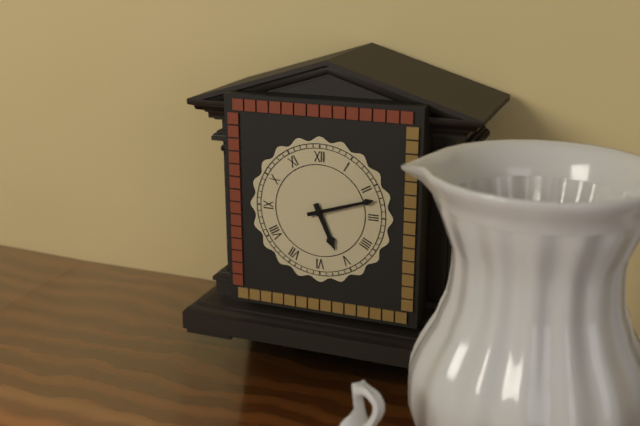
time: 5:12
